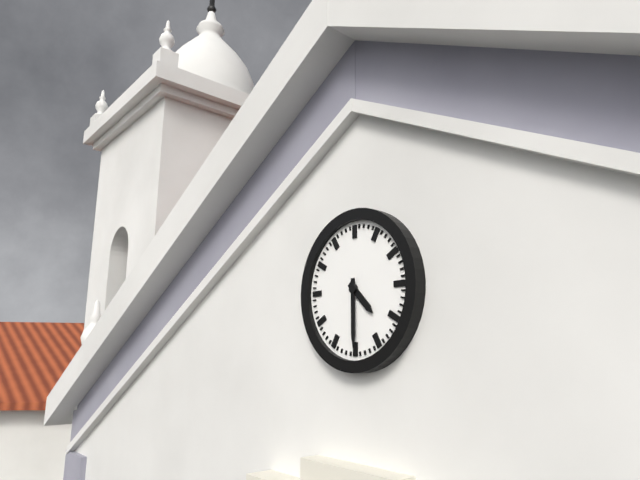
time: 4:30
